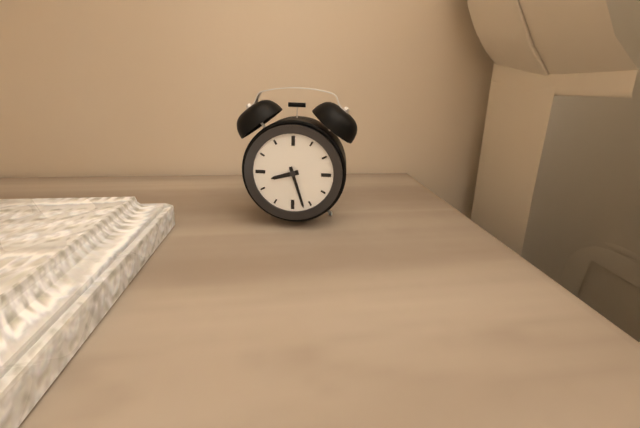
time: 8:27
